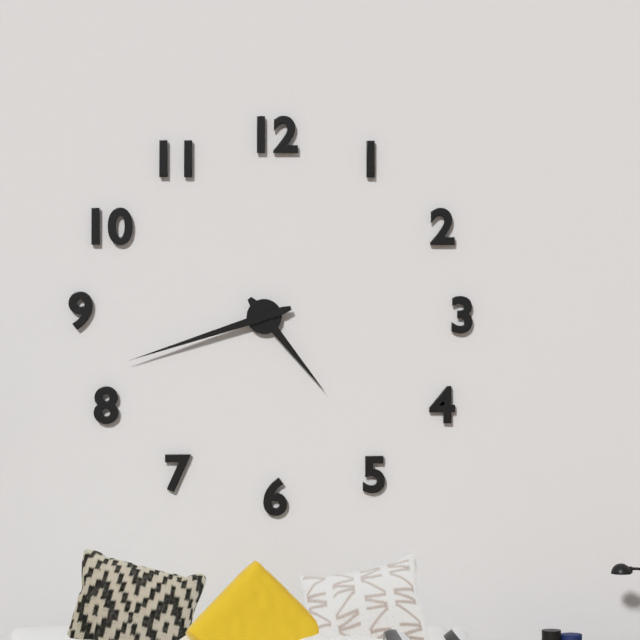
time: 4:42
